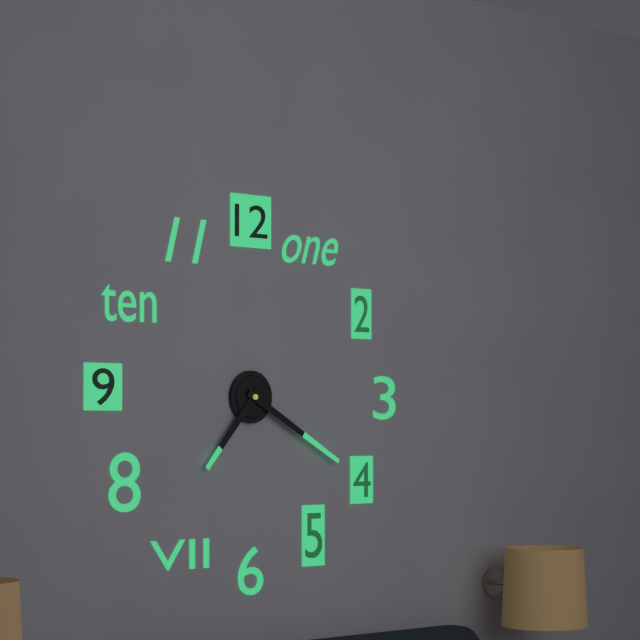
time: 7:20
